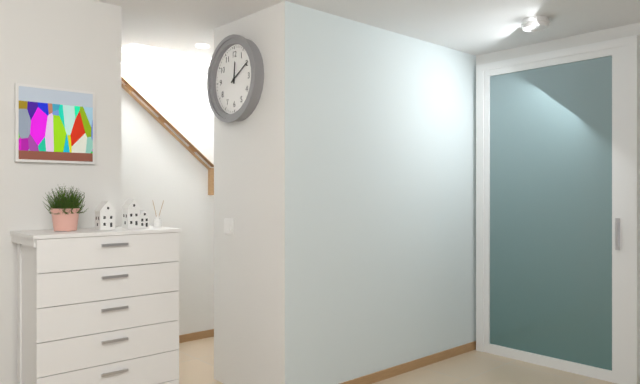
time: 12:10
